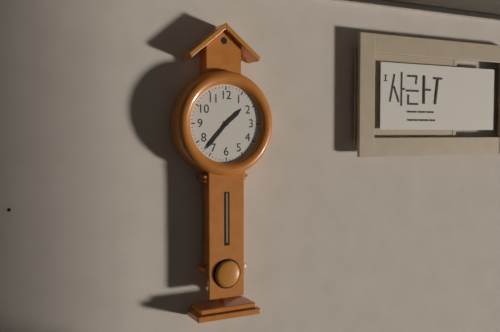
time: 1:37
